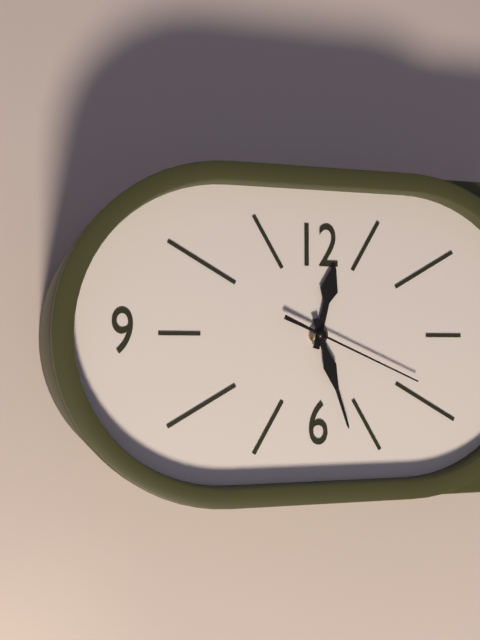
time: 12:27:19
